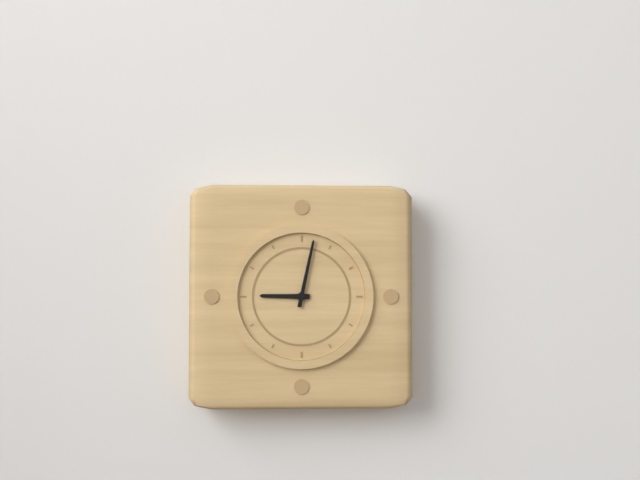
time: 9:02
